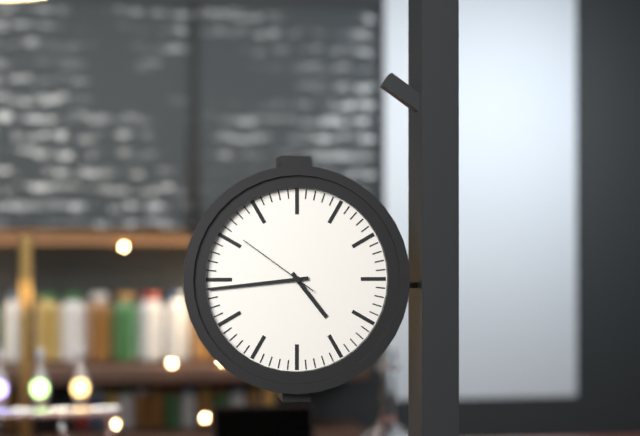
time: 4:44:51
